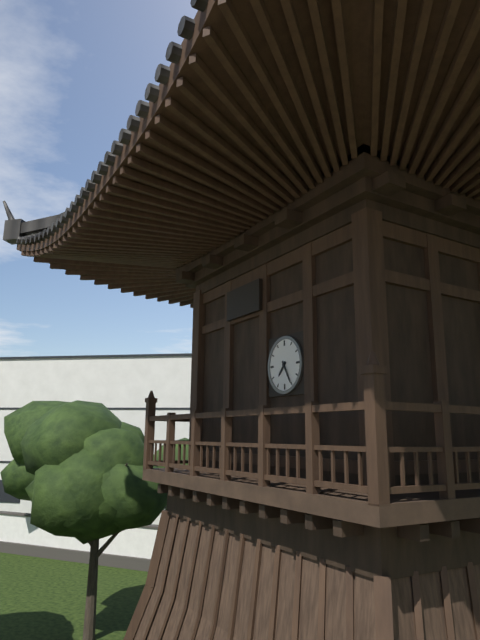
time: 7:25
